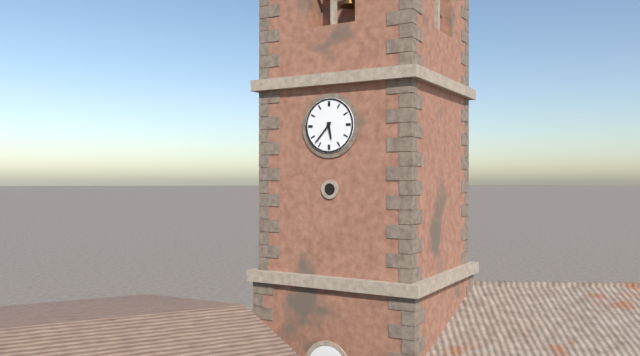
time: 5:37
